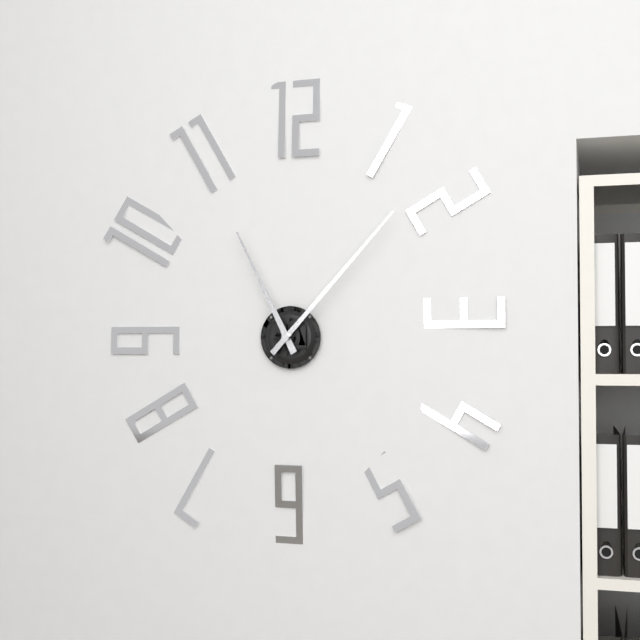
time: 11:07
